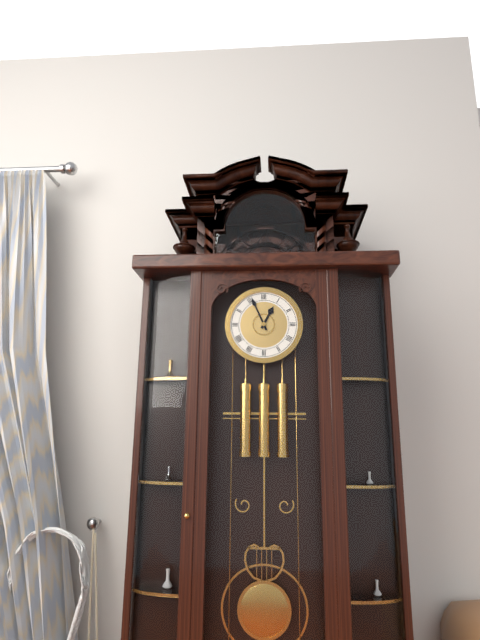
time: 12:56
